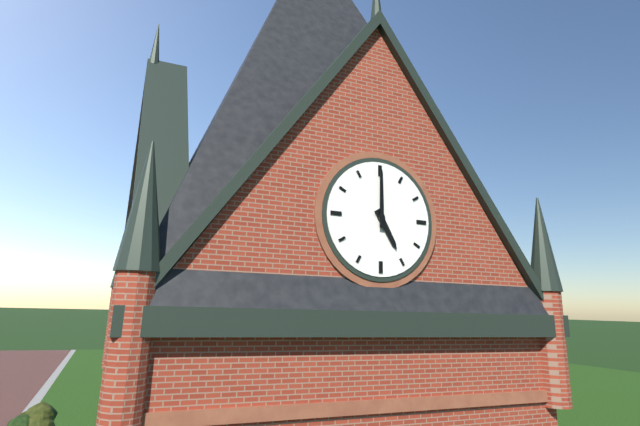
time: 5:00
